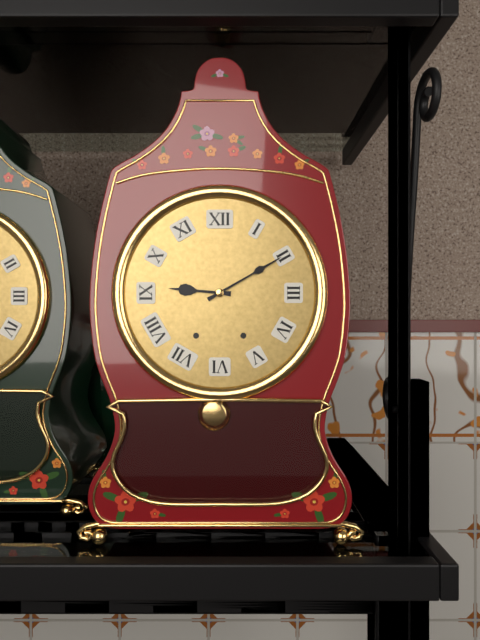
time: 9:10
